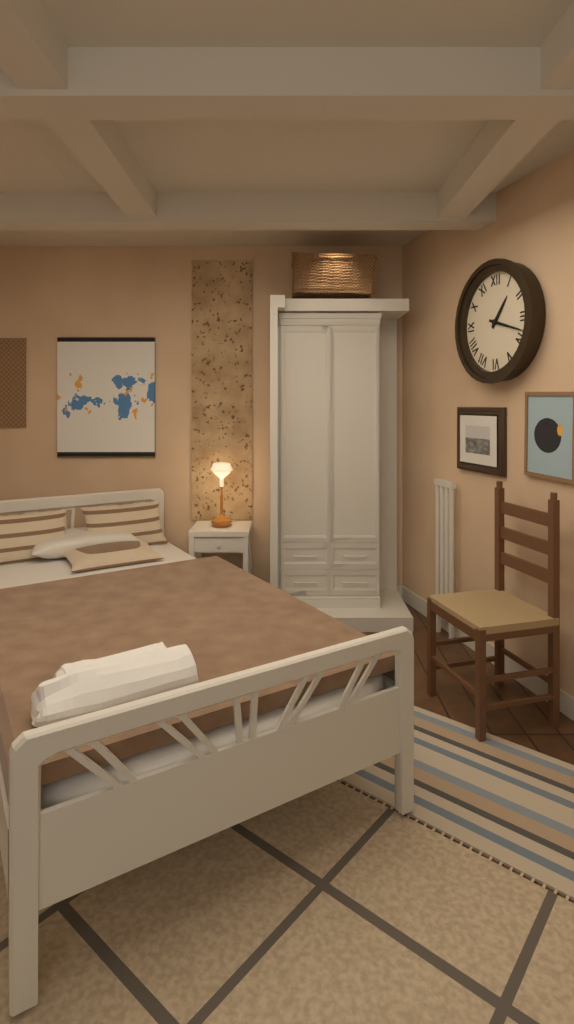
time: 1:18
